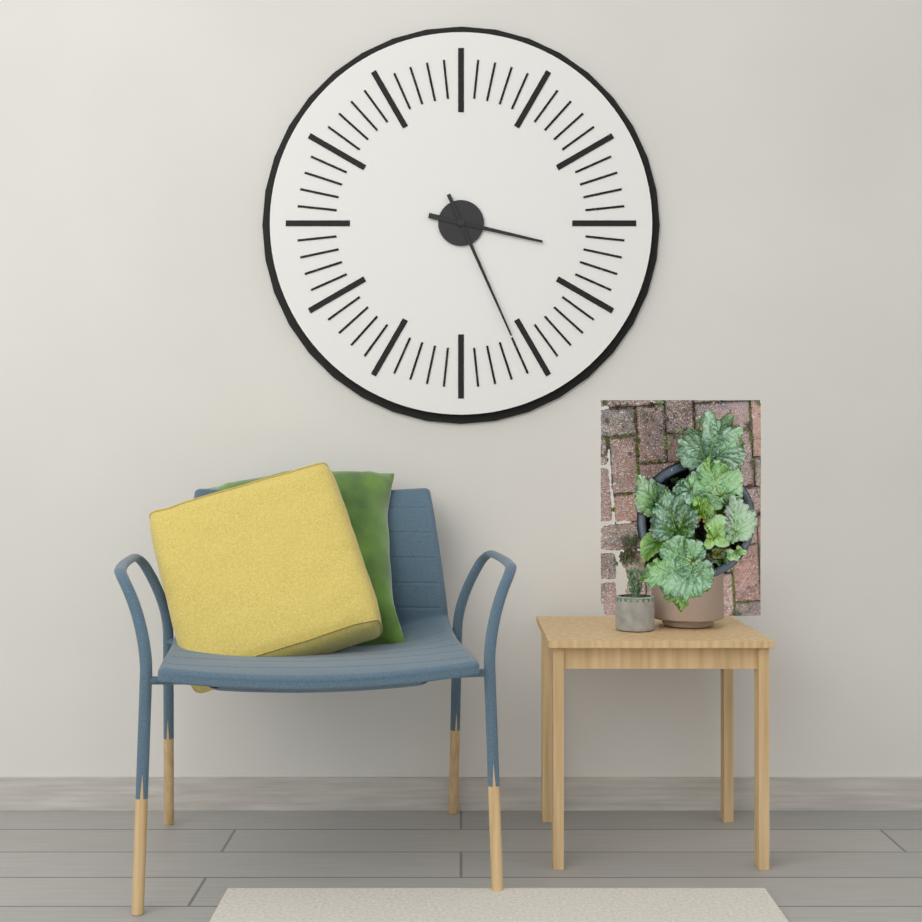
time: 3:26
